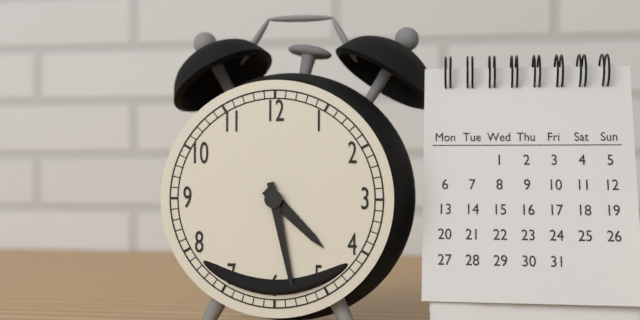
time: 4:28
